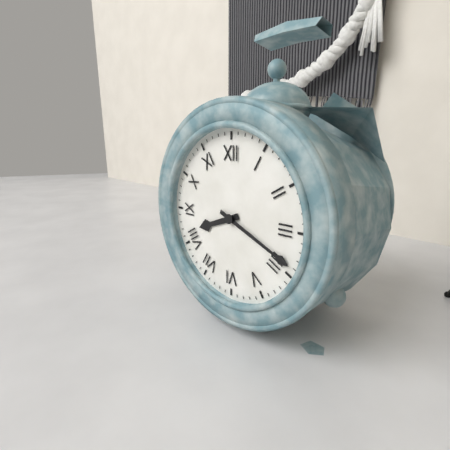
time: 8:19
